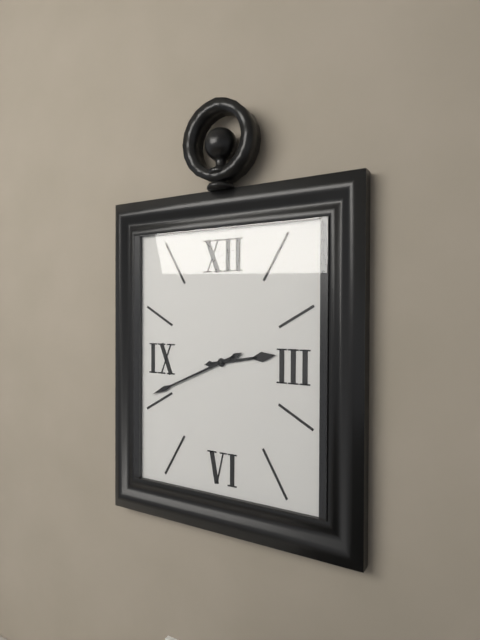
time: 2:41
